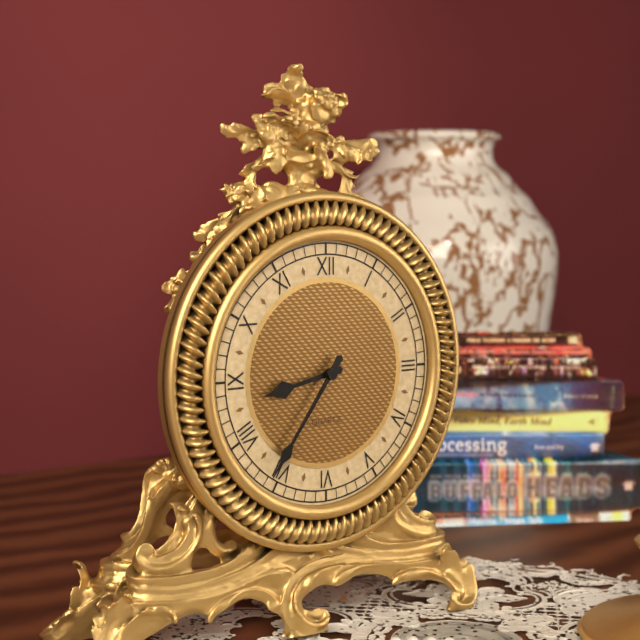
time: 8:36
